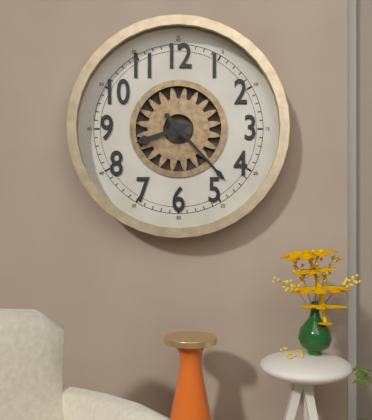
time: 8:23
